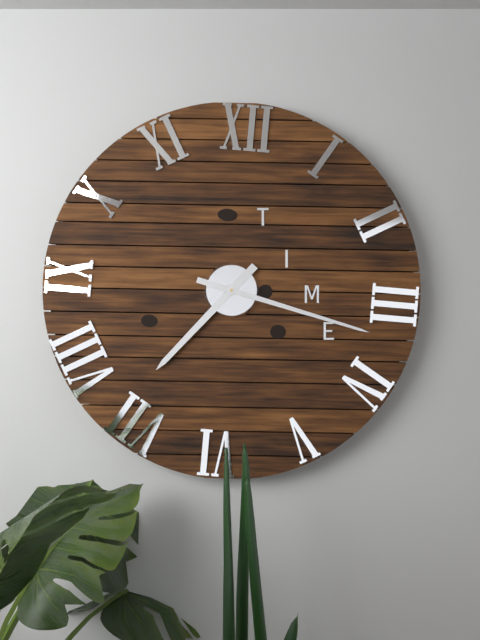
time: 7:17
